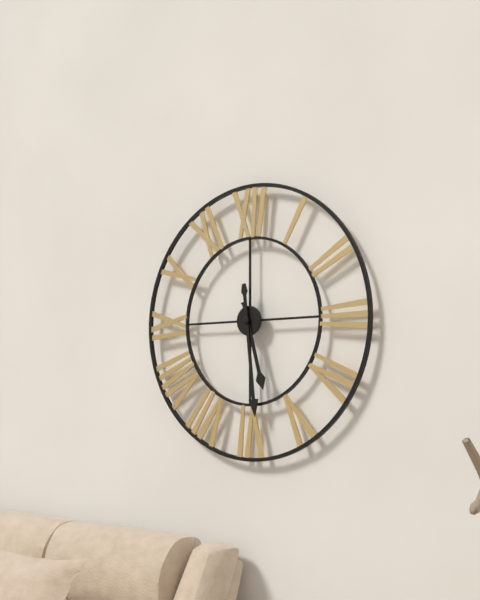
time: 5:29
